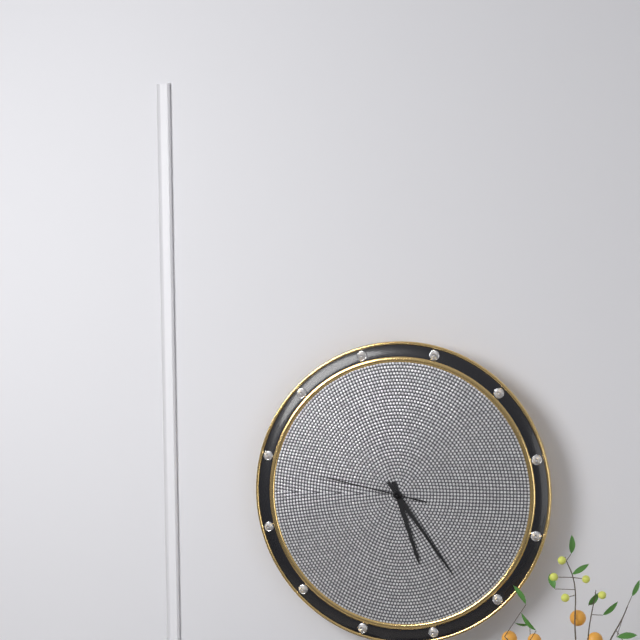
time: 5:24:47
